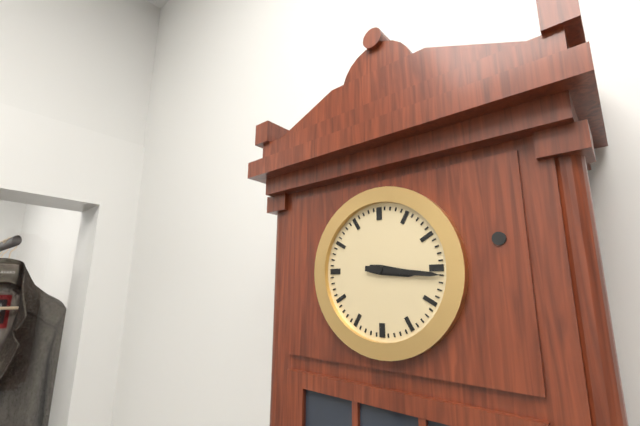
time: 3:16
